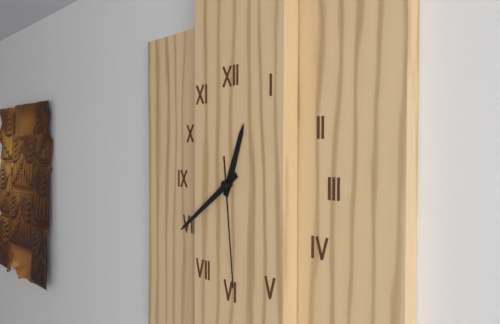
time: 12:39:29
